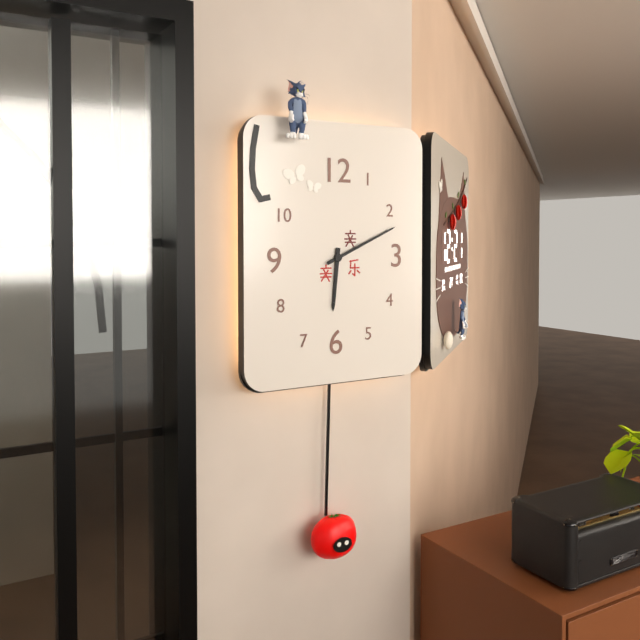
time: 6:11
